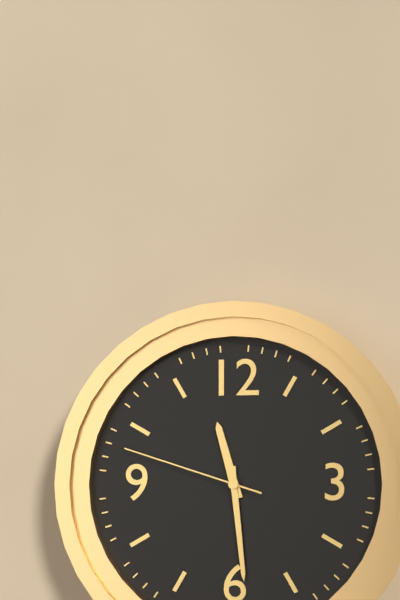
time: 11:29:48
